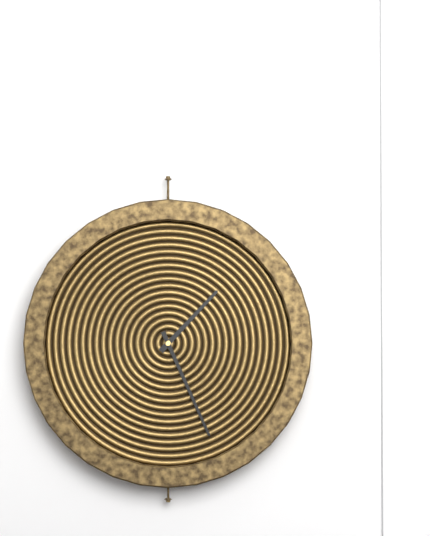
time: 1:26
